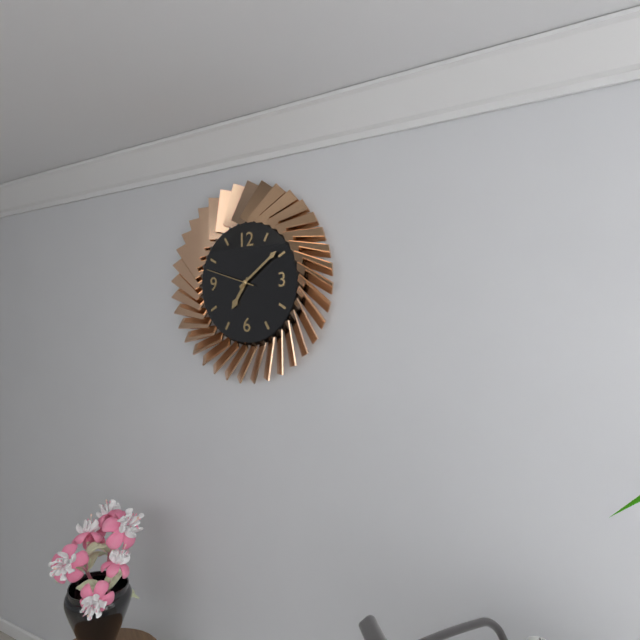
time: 7:09
